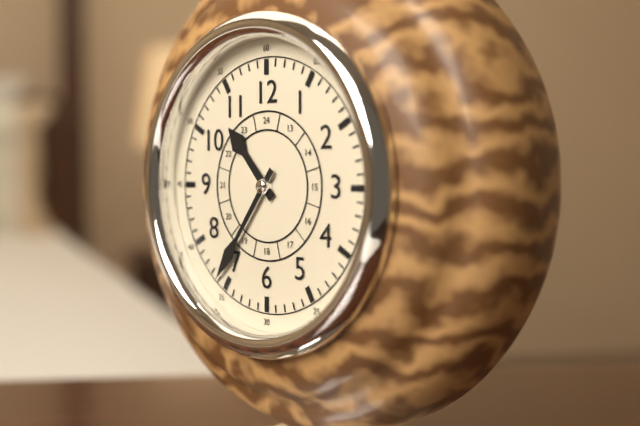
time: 10:36
